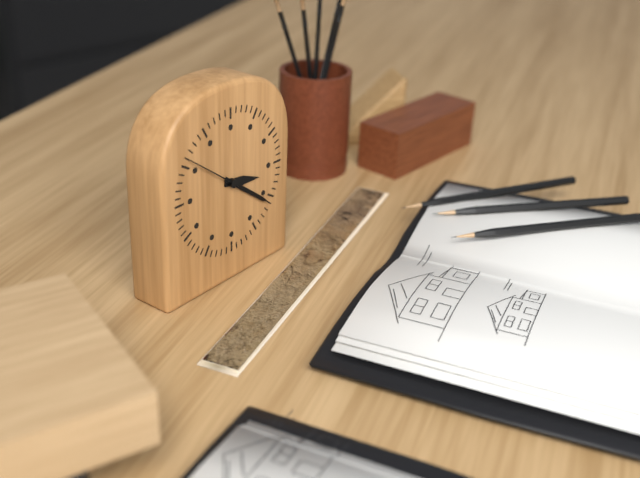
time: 3:21:51
